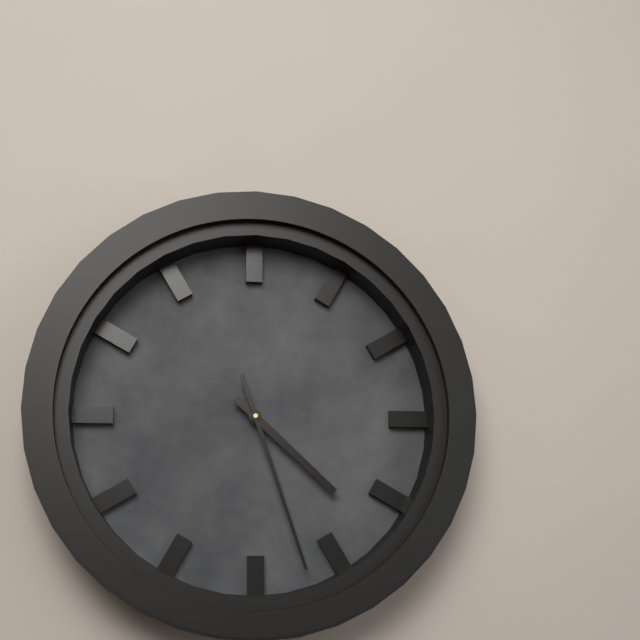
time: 4:27
